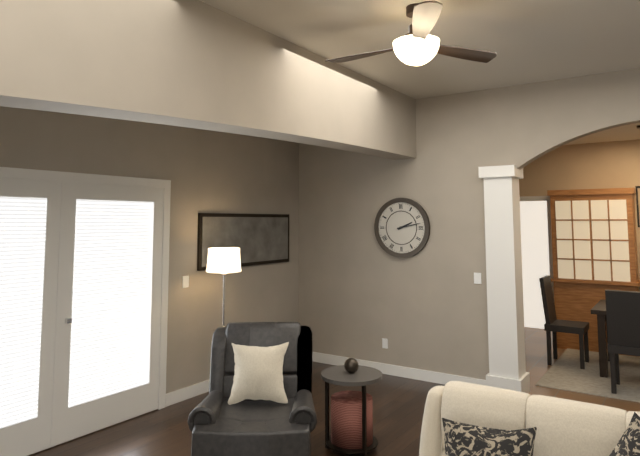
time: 2:13
